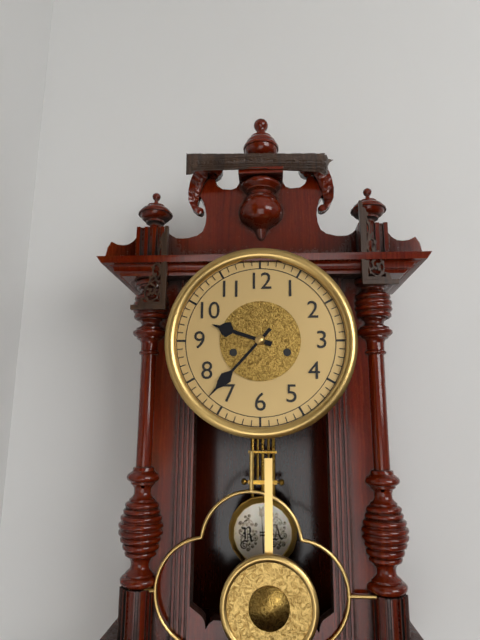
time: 9:37
